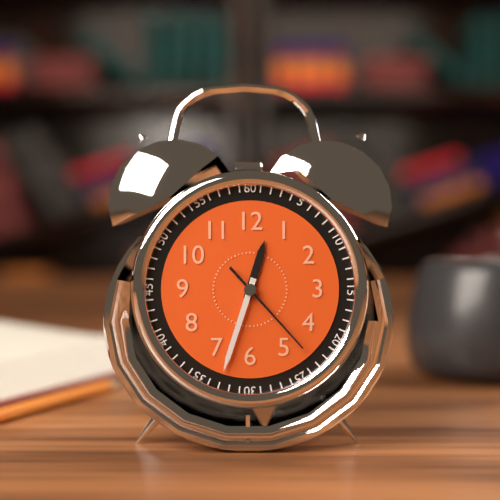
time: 12:33:23
